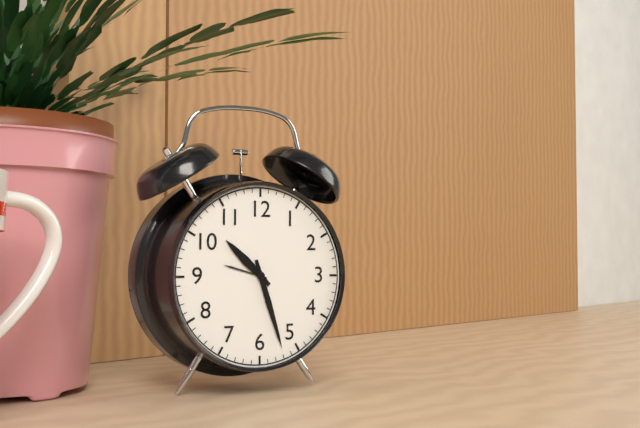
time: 10:27
